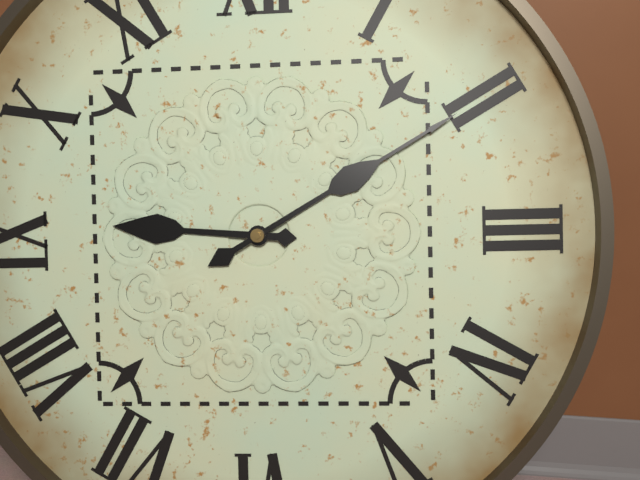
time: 9:10
